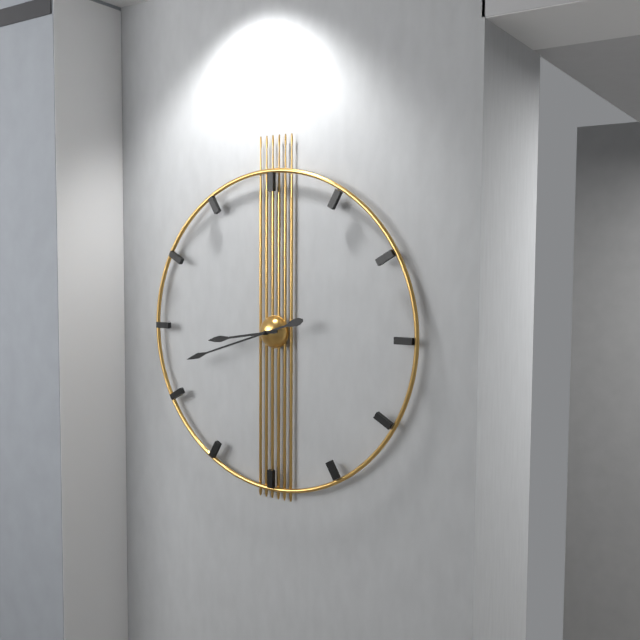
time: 8:42
